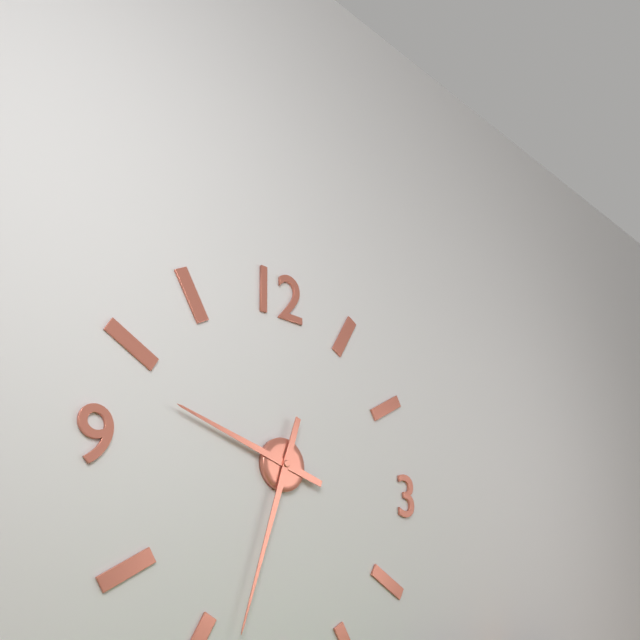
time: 9:33
